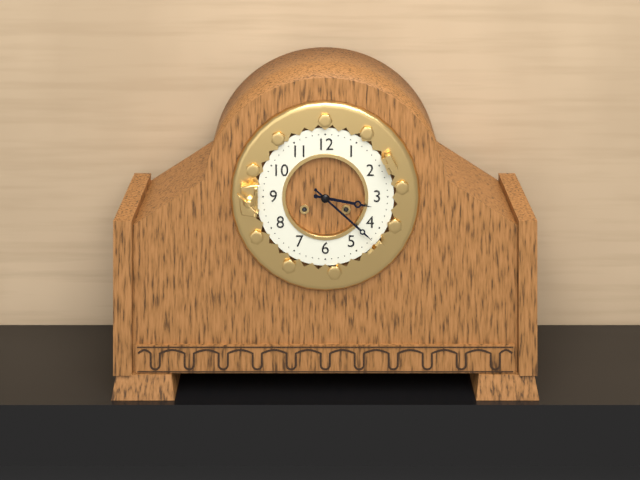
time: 3:22
